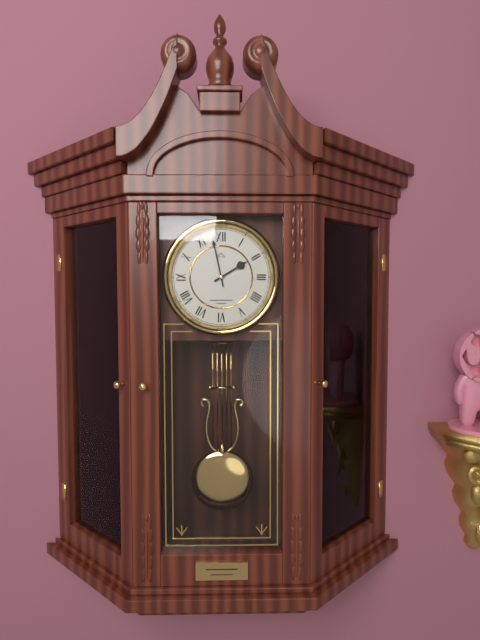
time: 1:58
